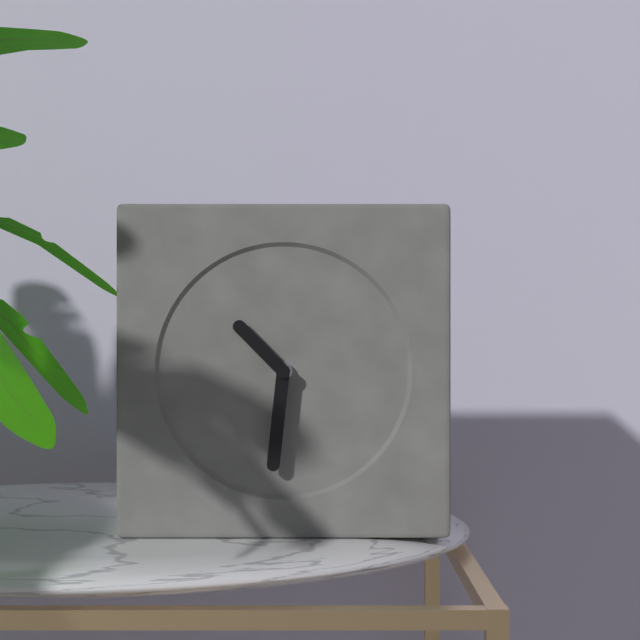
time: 10:31
